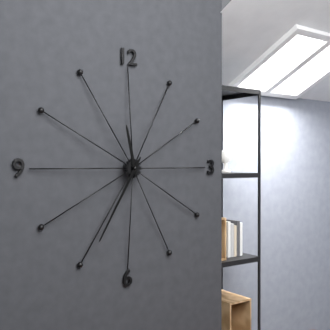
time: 11:35
